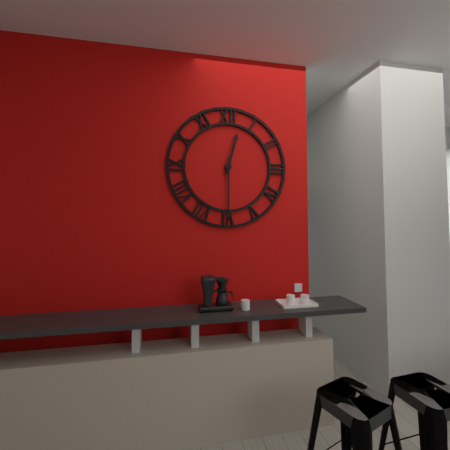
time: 12:30
